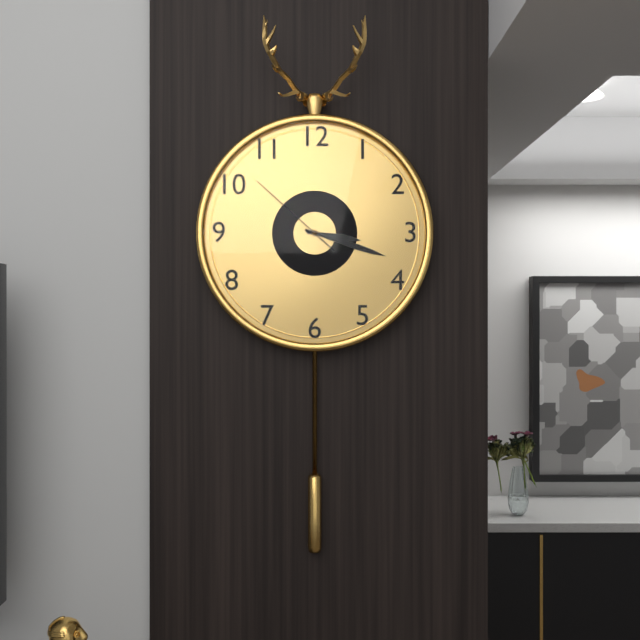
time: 3:18:52
